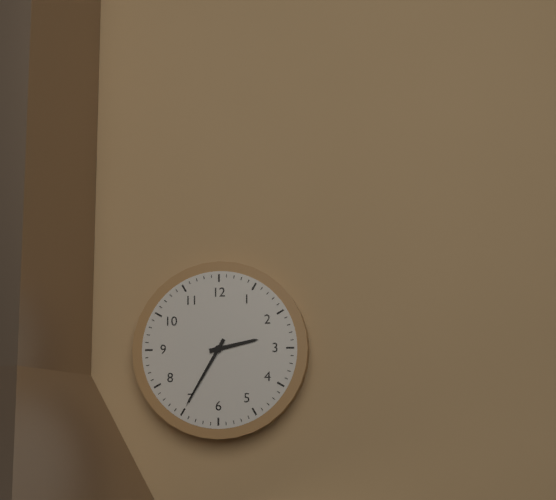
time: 2:35
